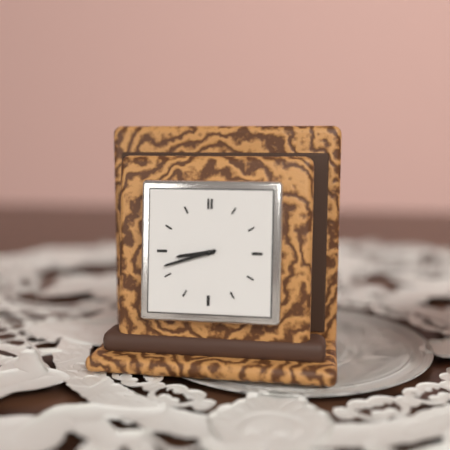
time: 8:42
